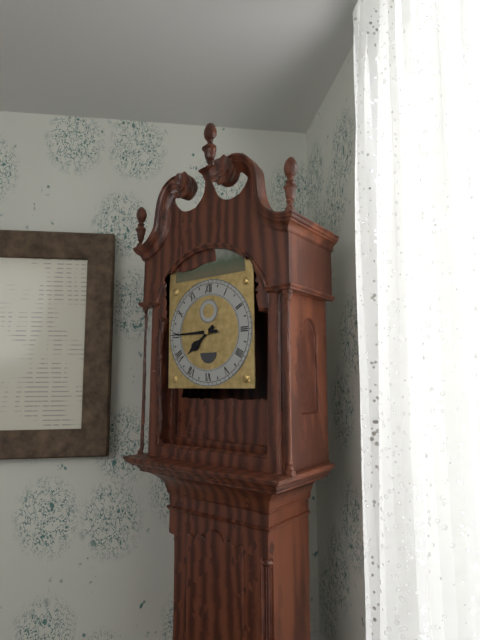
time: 7:45
